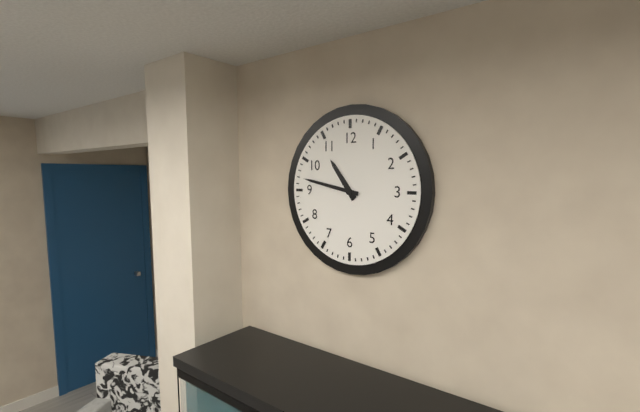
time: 10:47
